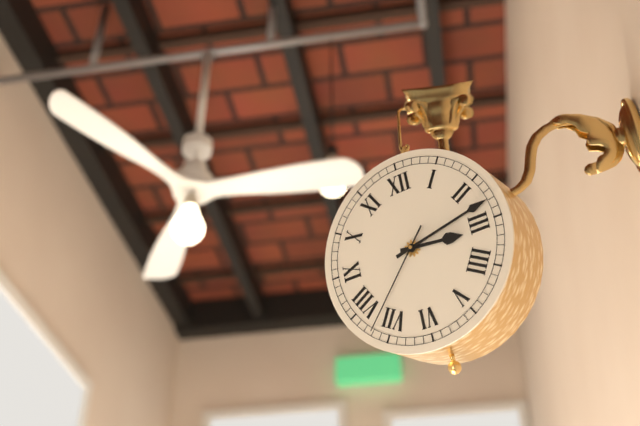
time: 3:13:37
